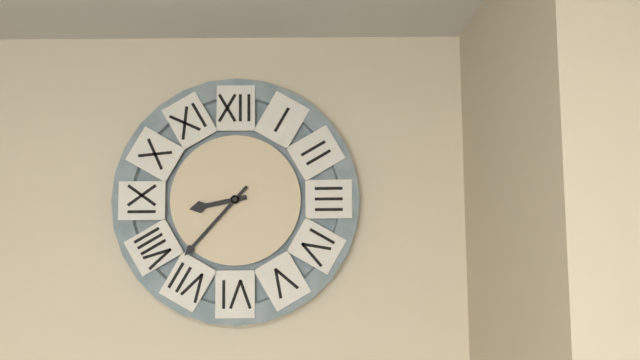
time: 8:37
